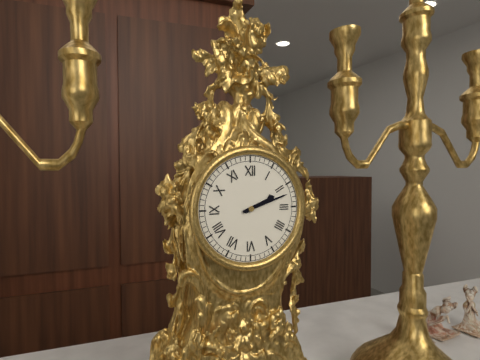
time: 2:12
